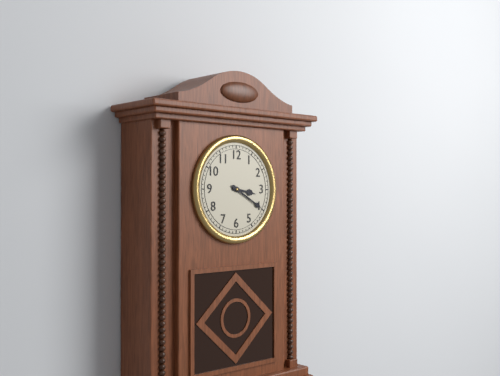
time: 3:20
